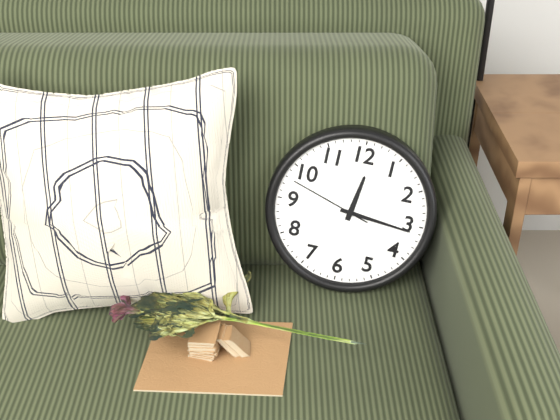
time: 12:16:48
